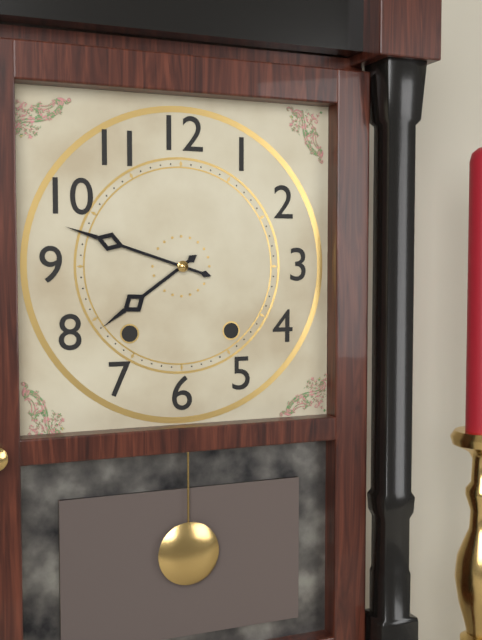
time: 7:48
